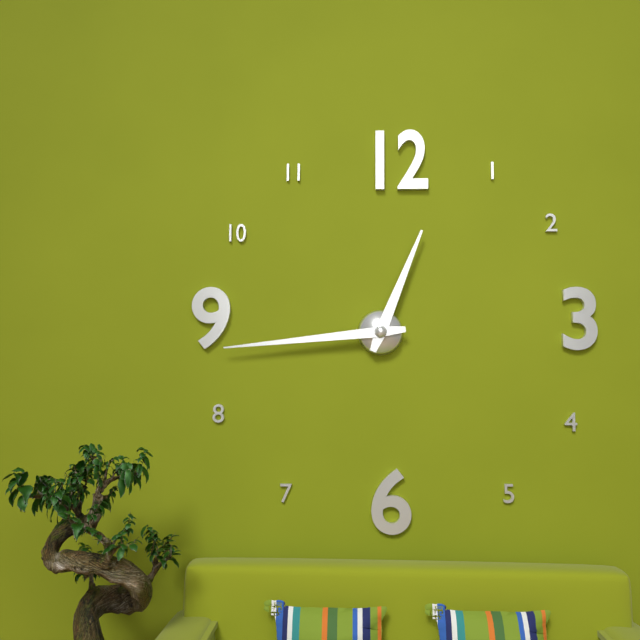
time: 12:44
